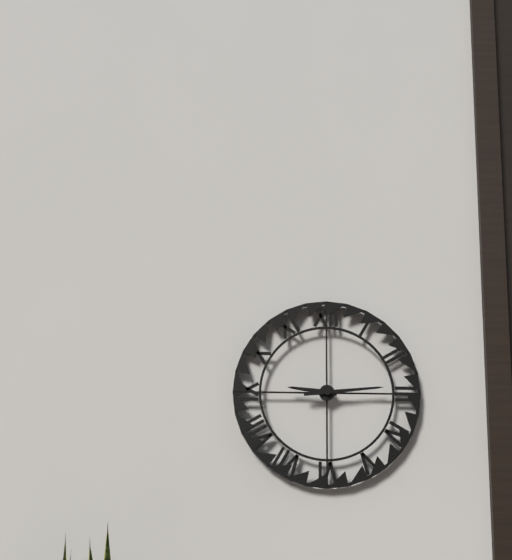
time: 9:14
